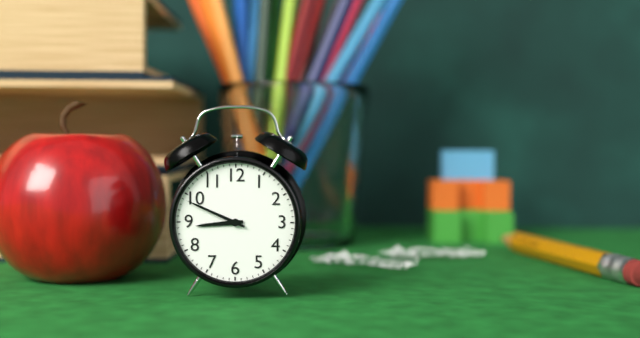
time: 8:49
